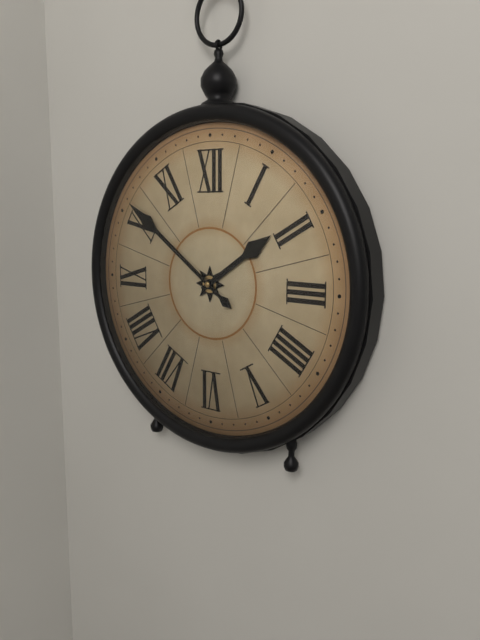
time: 1:51
